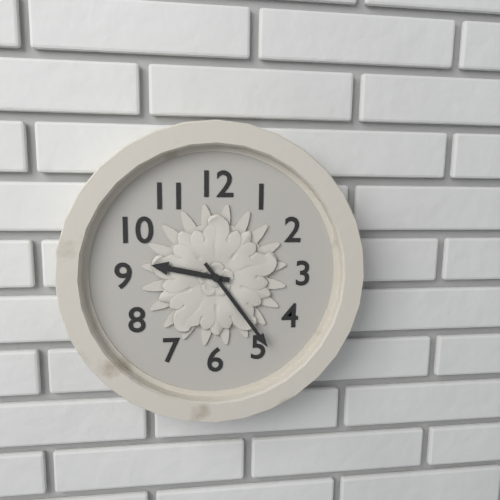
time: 9:24
